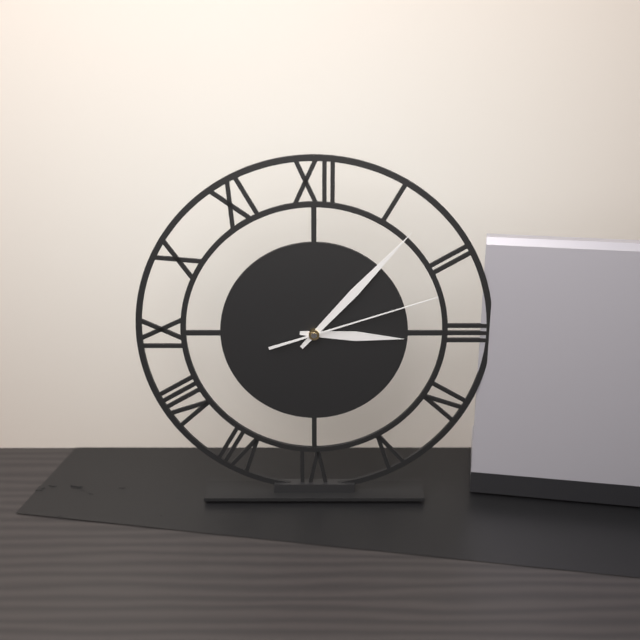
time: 3:07:12
